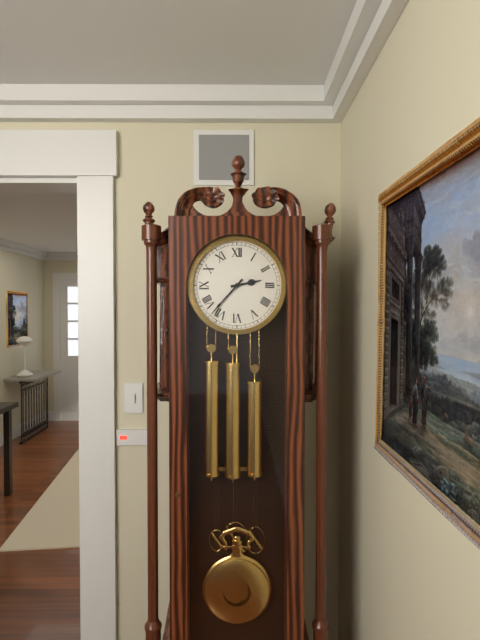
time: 2:37
